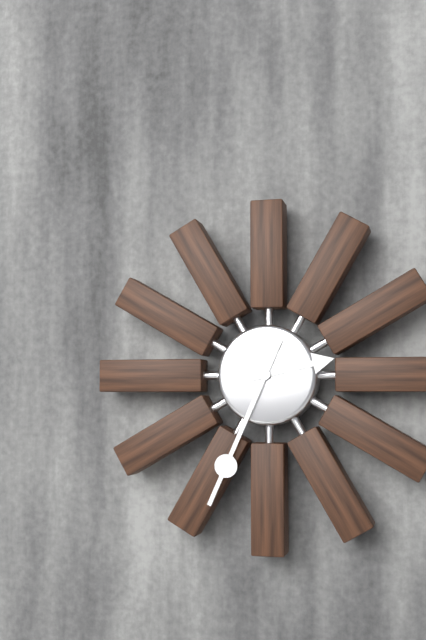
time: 2:34
